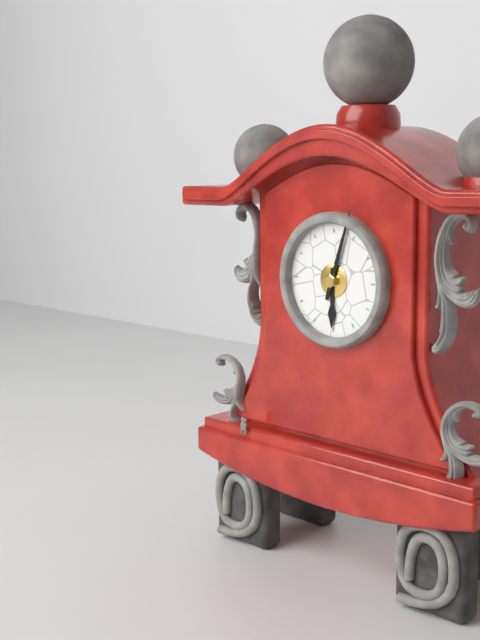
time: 6:03
